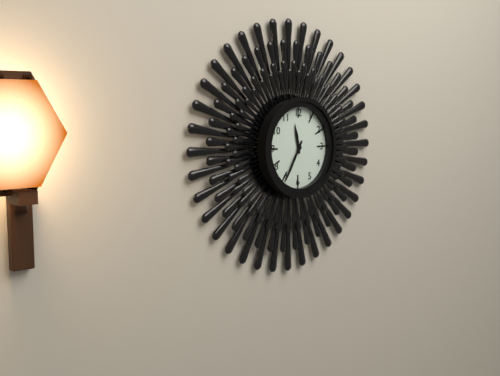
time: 11:35
